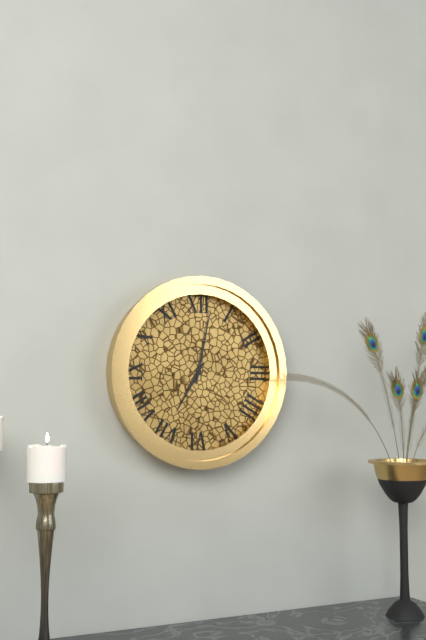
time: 7:02
